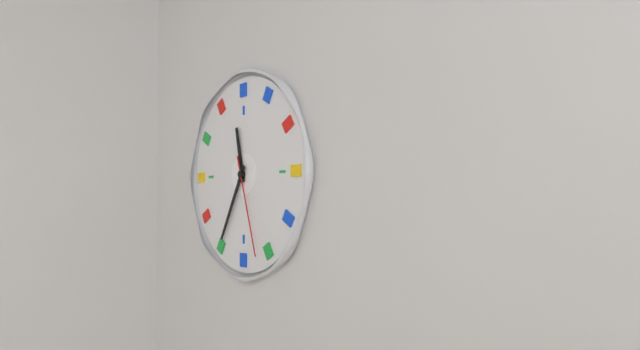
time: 11:35:27
